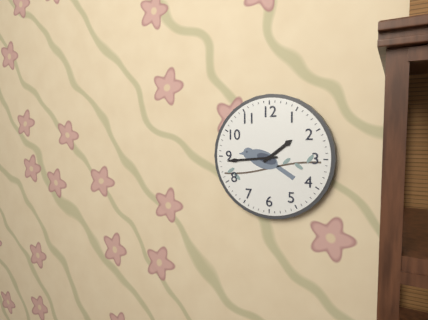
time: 1:44
